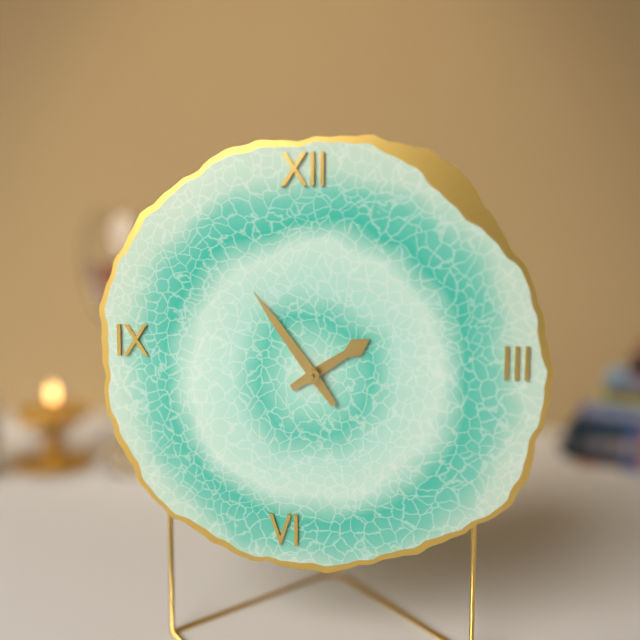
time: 1:54
